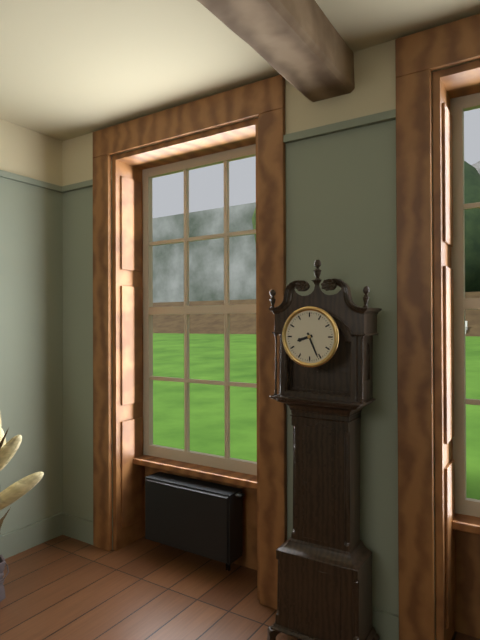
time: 8:26
